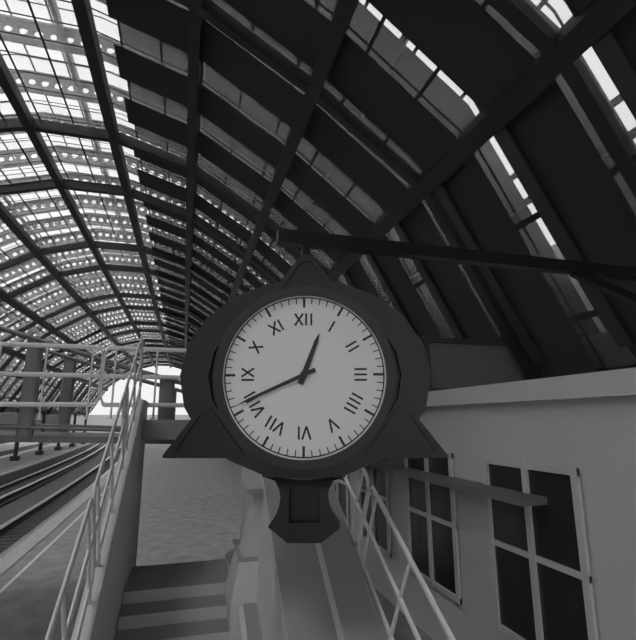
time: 12:41
